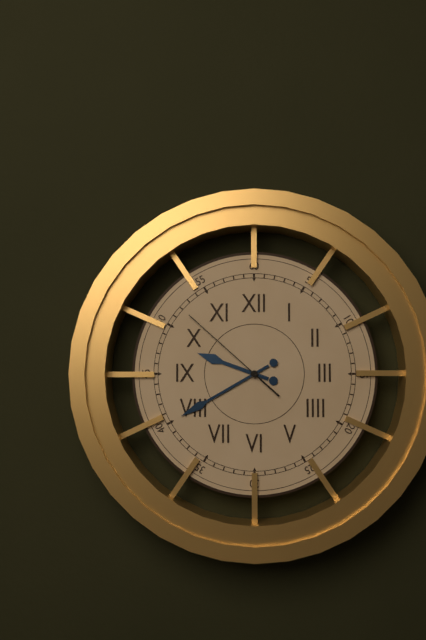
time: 9:40:52
